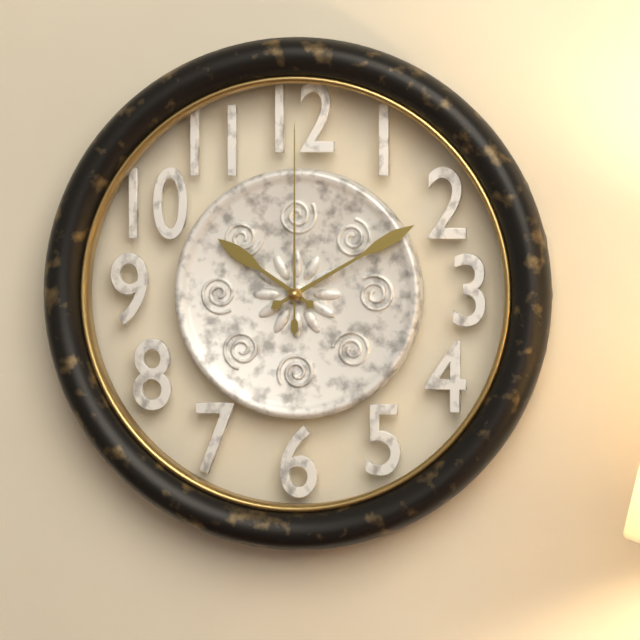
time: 10:10:00
